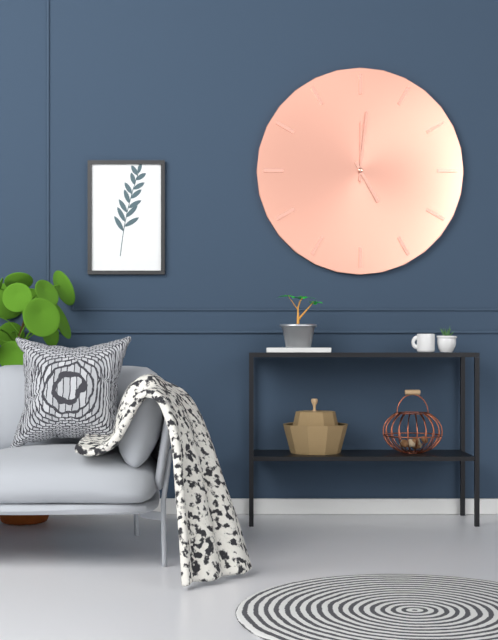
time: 5:01:00
